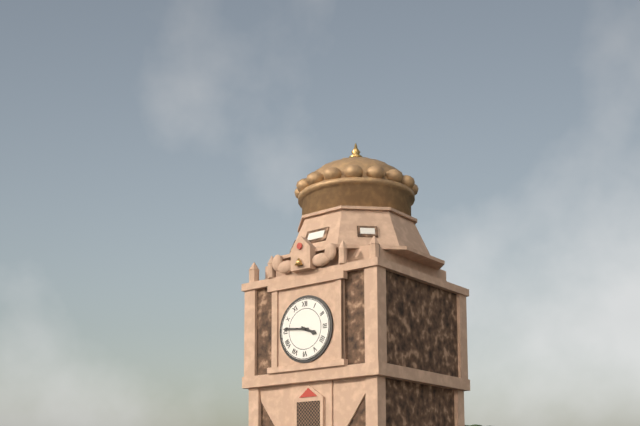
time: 3:46
